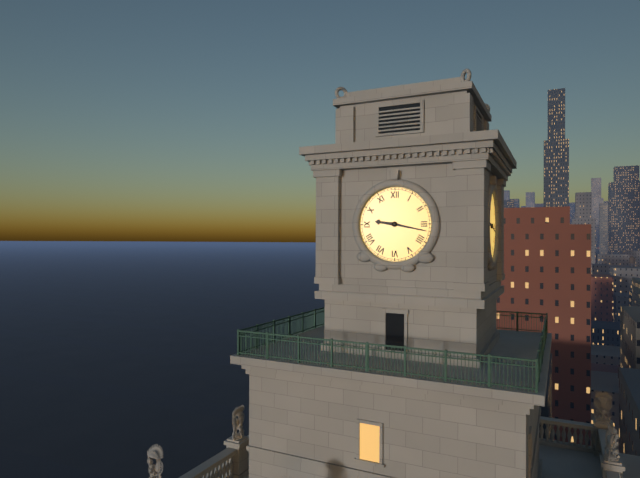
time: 9:17
